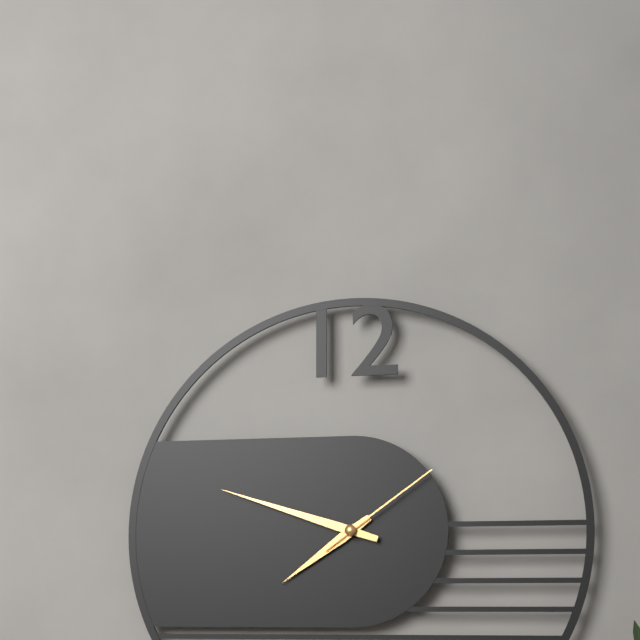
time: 7:48:09
